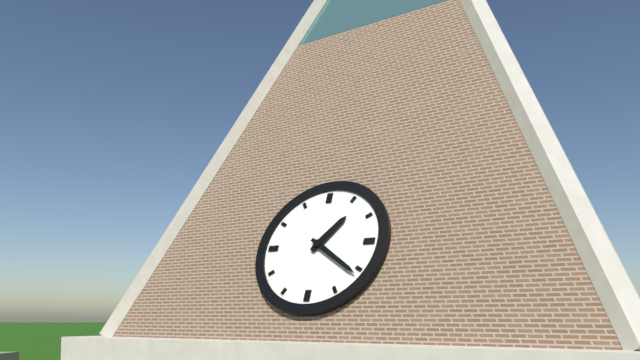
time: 1:21
